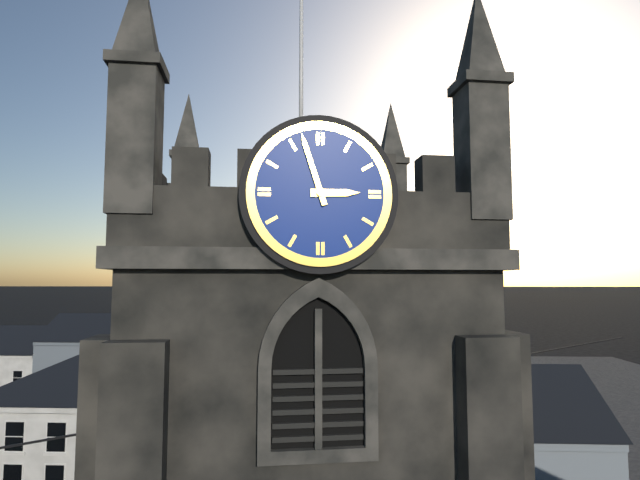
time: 2:57
